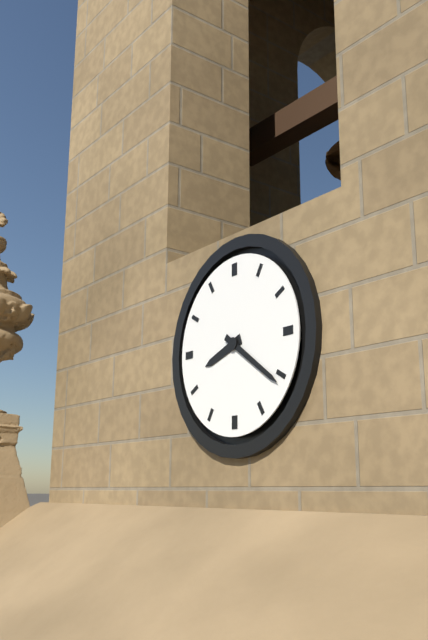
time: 8:21
